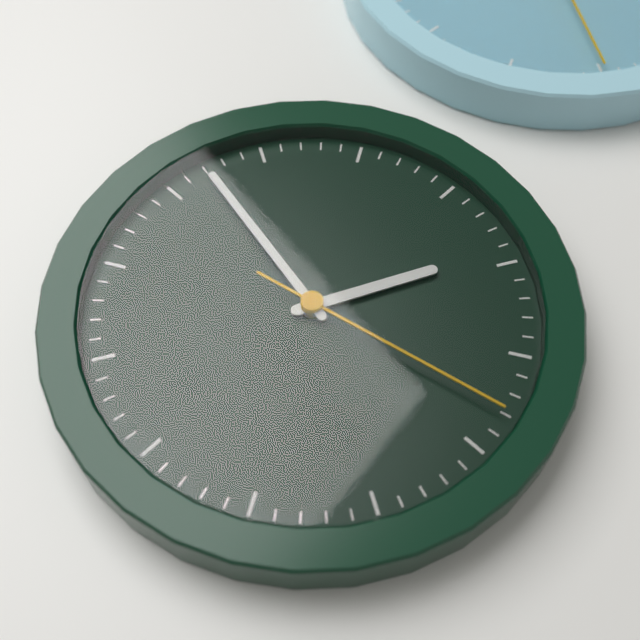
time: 1:52:18
